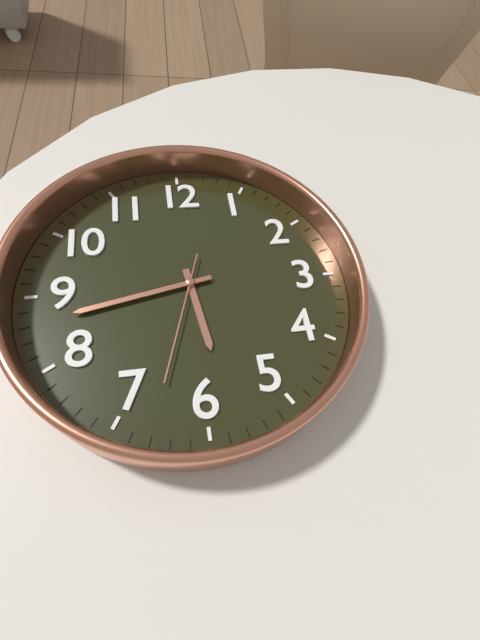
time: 5:43:33
